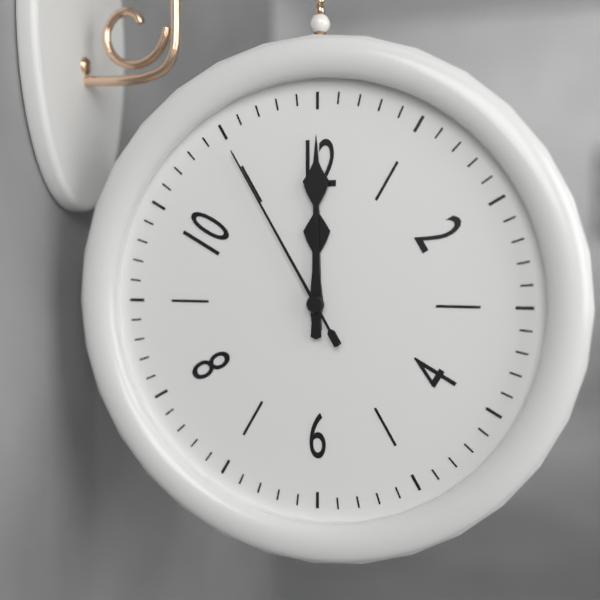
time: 12:00:55
